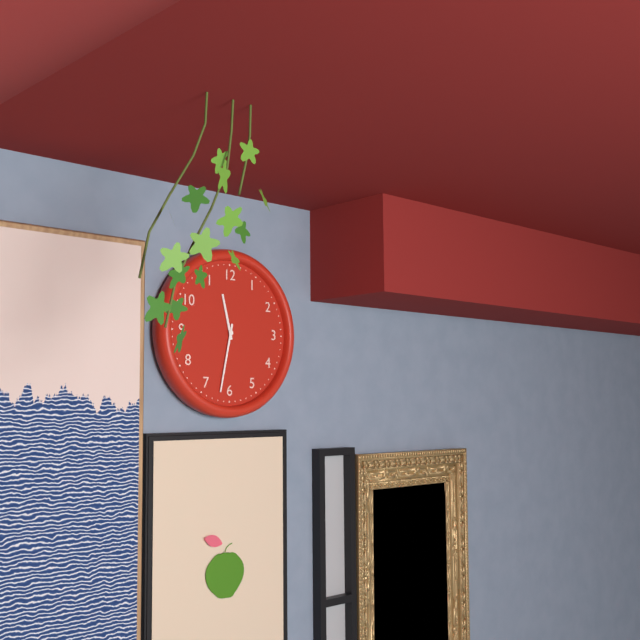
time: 11:32
